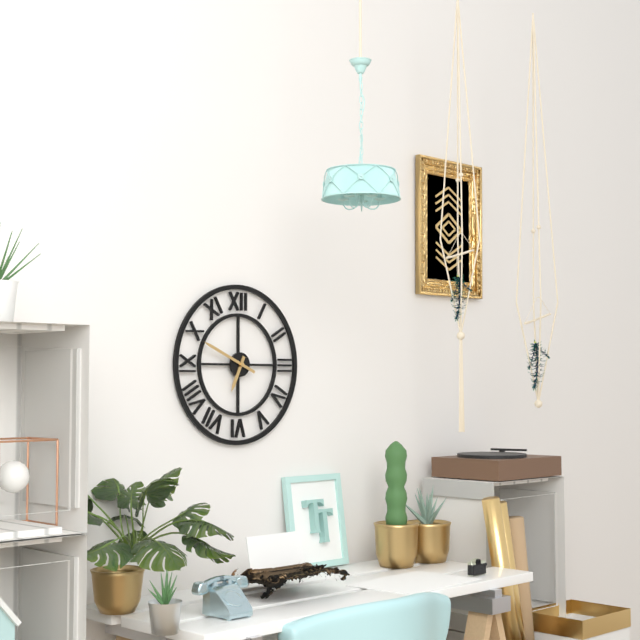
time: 6:49
